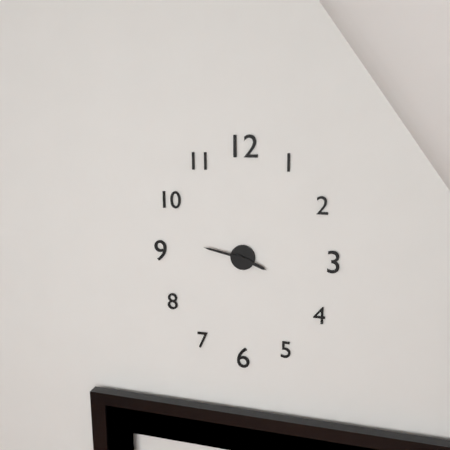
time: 3:47
